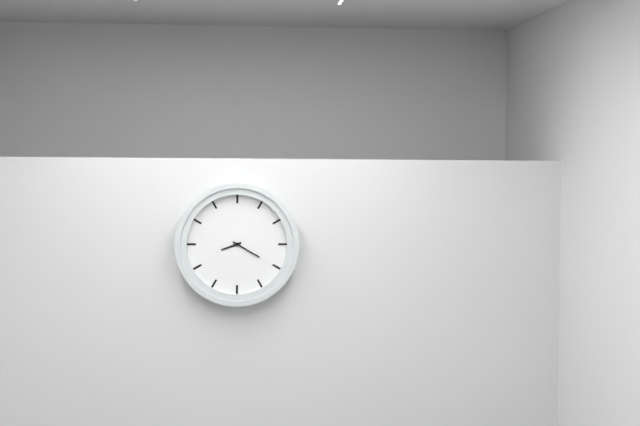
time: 8:20
